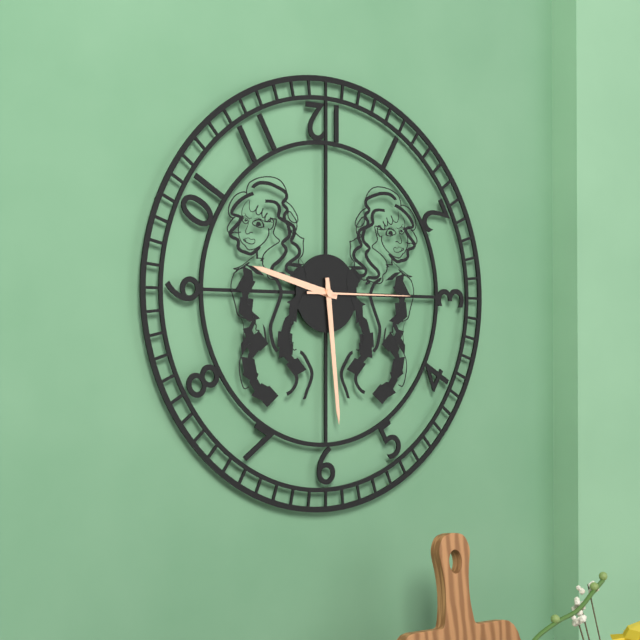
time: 9:29:15
